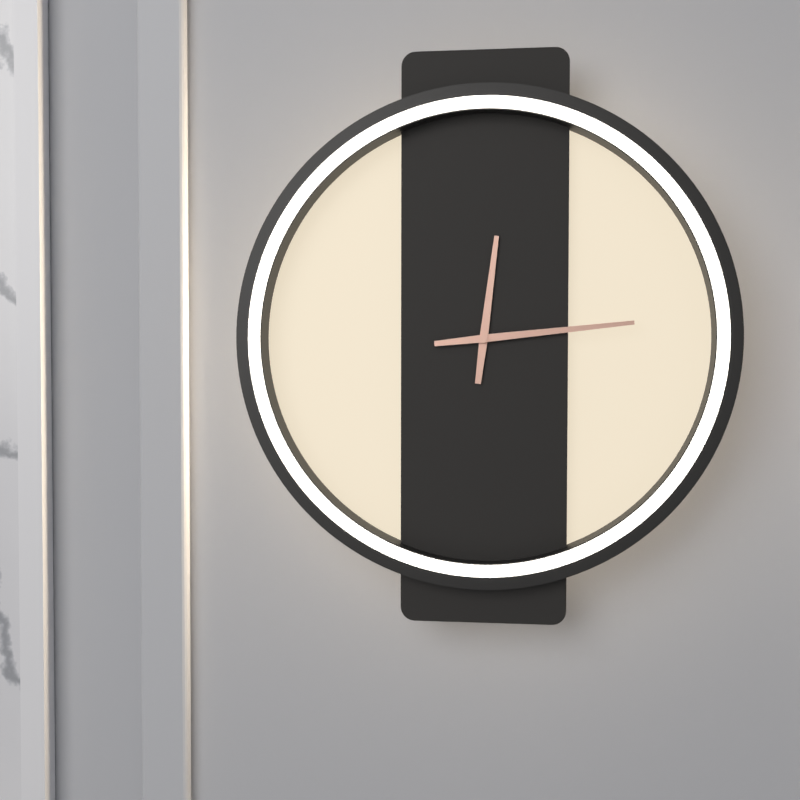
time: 12:14
